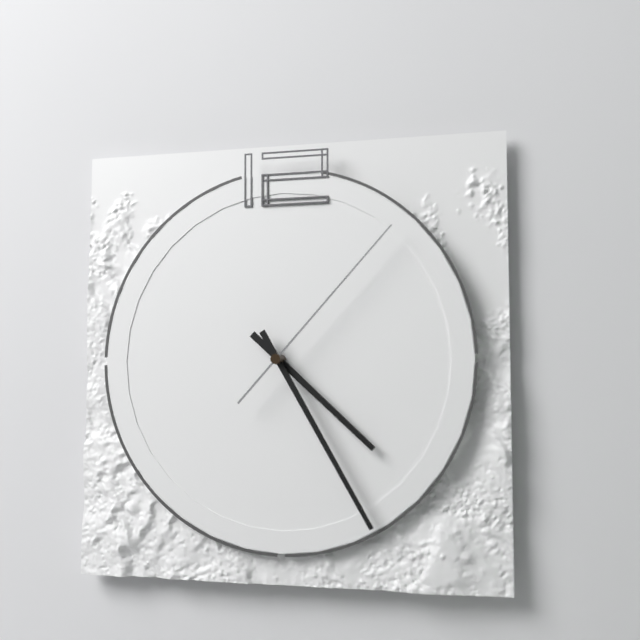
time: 4:25:07
